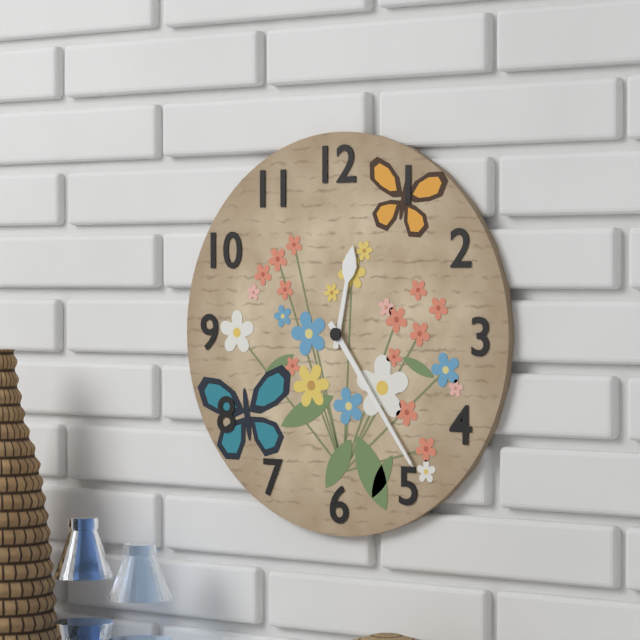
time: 12:24
